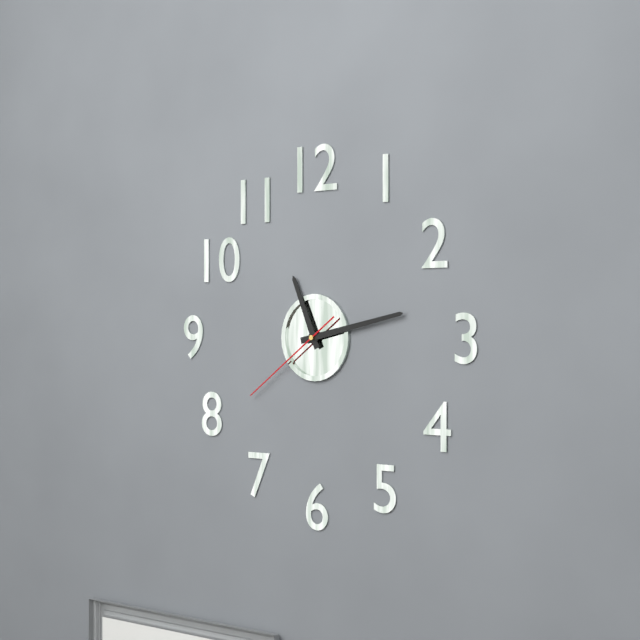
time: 11:13:39
